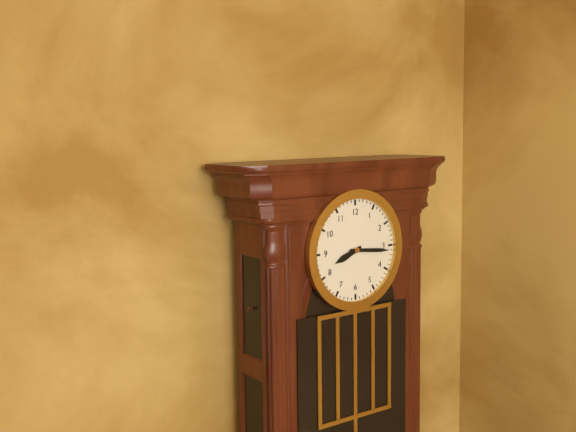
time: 8:16
